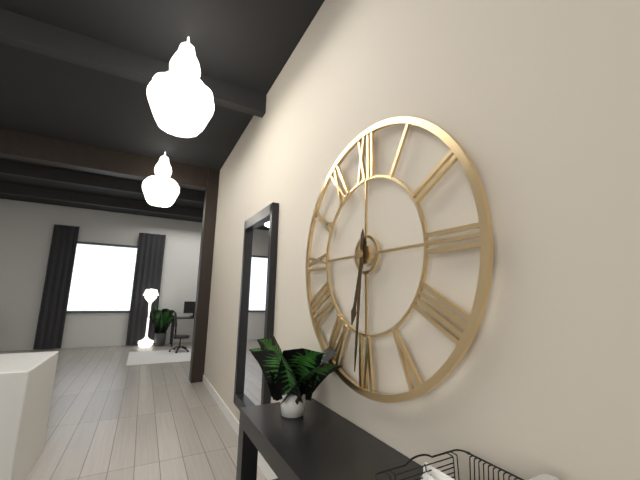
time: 6:31
